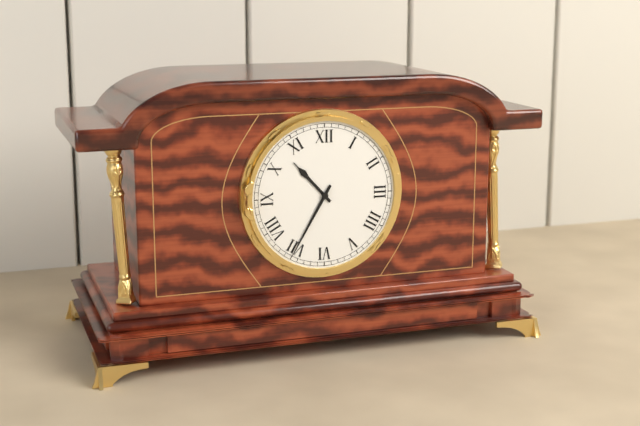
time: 10:35
